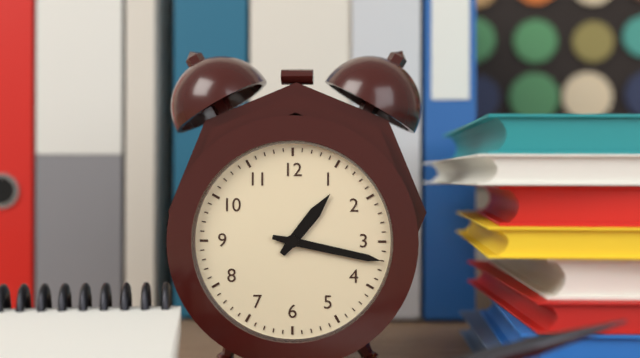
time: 1:17
